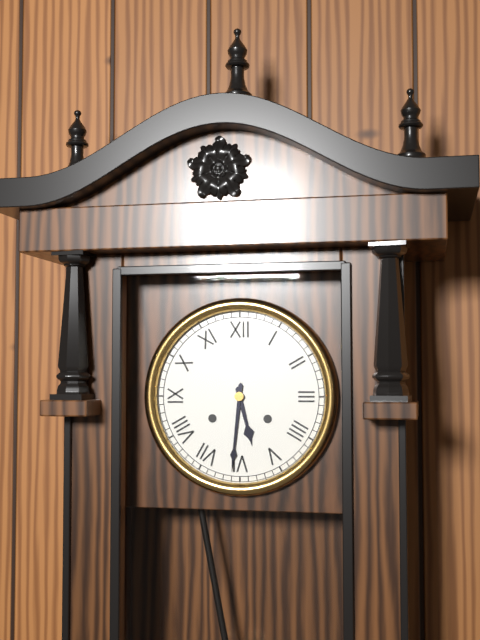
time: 5:31
